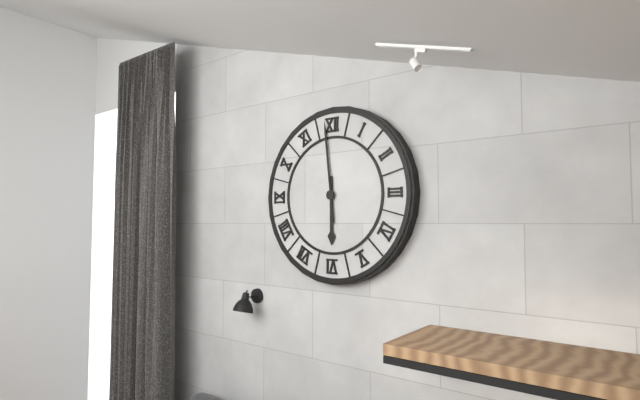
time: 5:59
